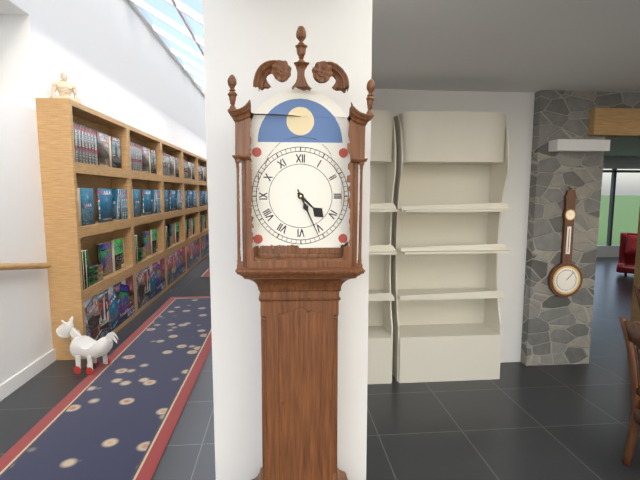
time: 4:26
